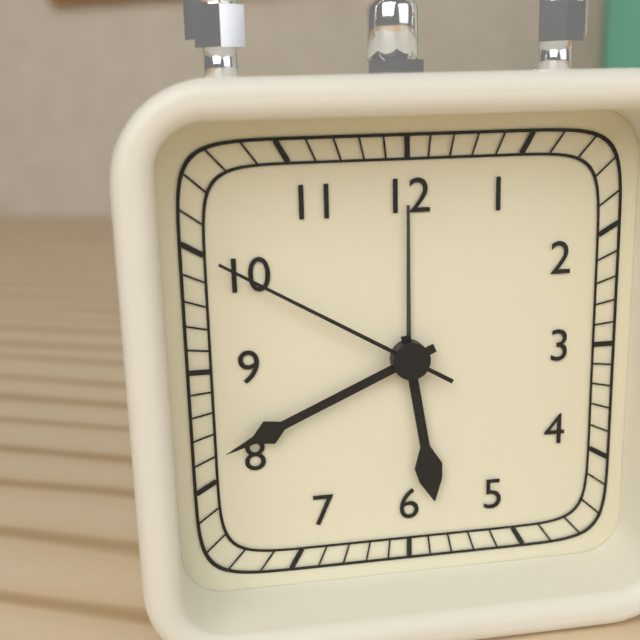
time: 5:41:50
